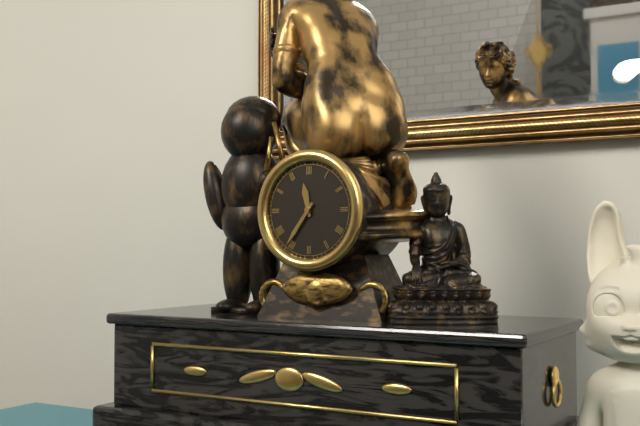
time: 11:36
